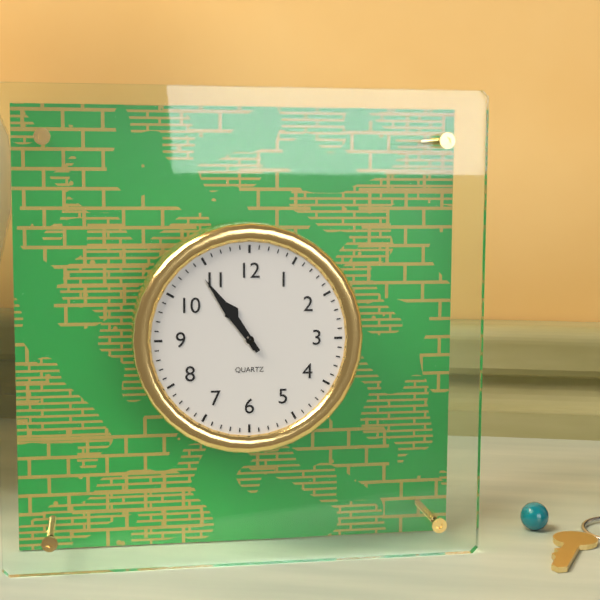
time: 10:54
